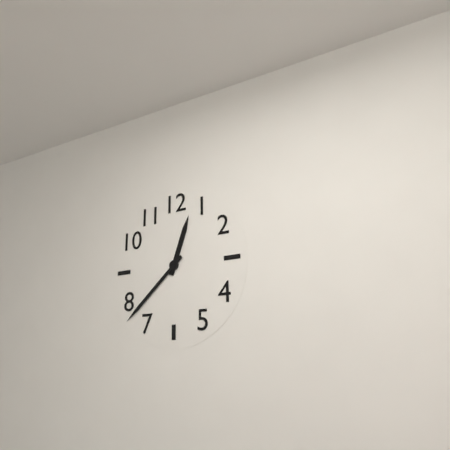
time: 12:38
